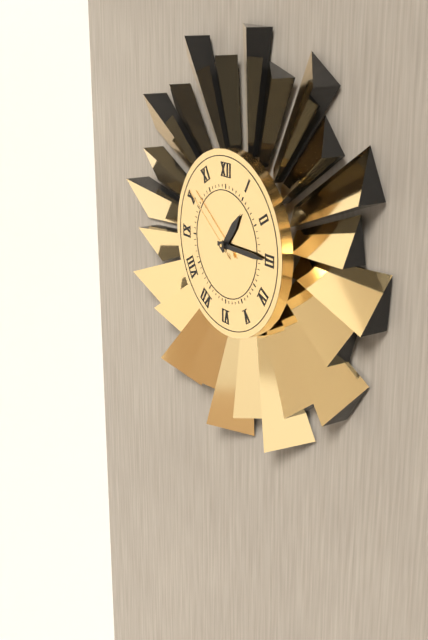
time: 1:15:51
